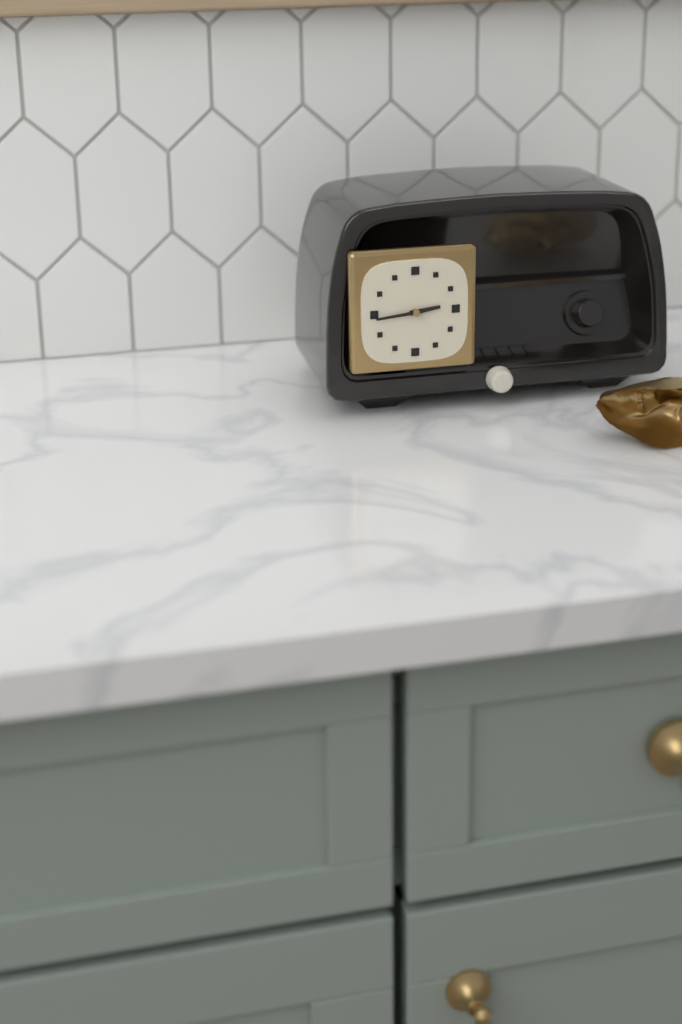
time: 2:44
